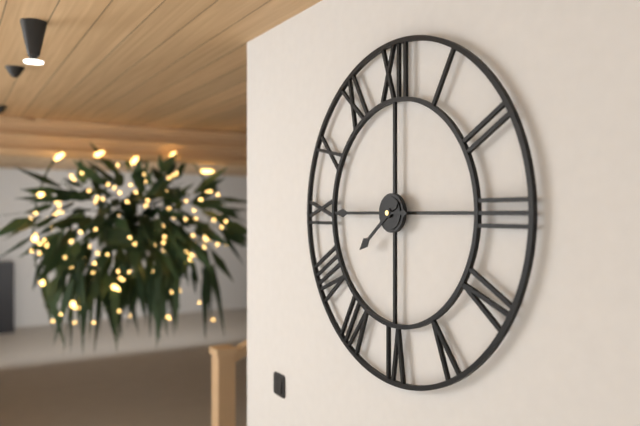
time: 7:45
